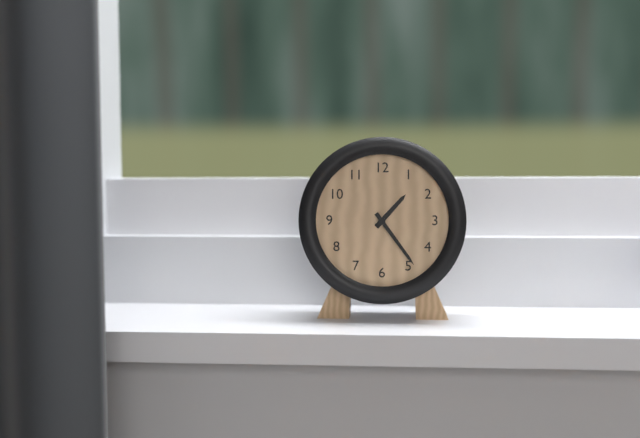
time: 1:24
